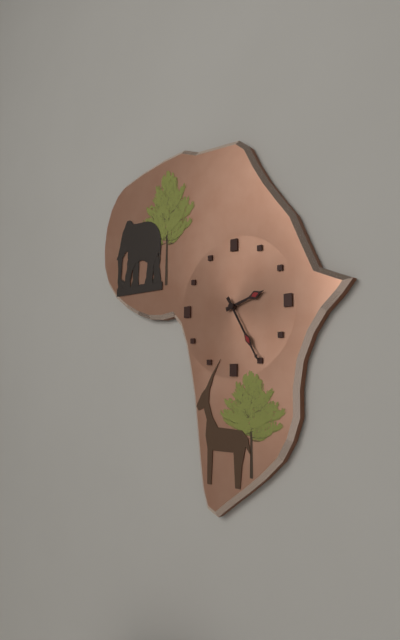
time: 2:25
